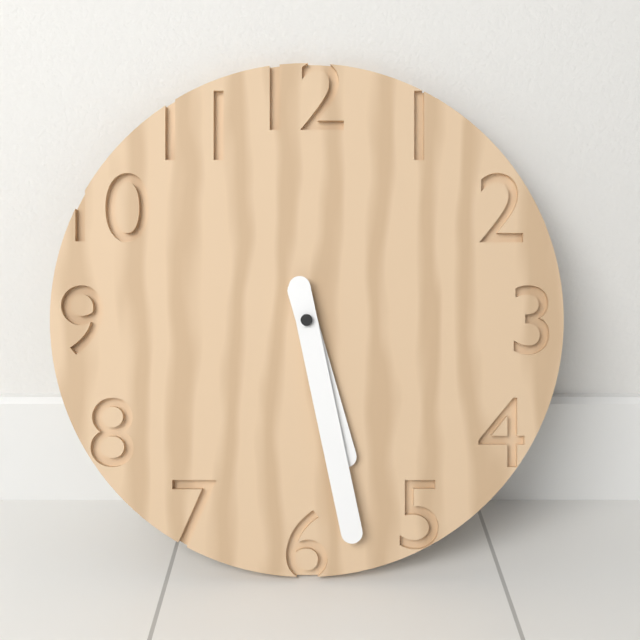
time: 5:28
